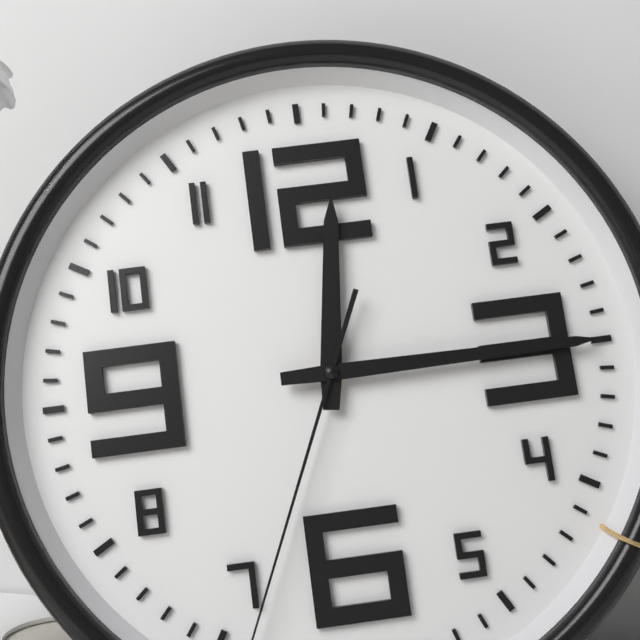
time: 12:15
